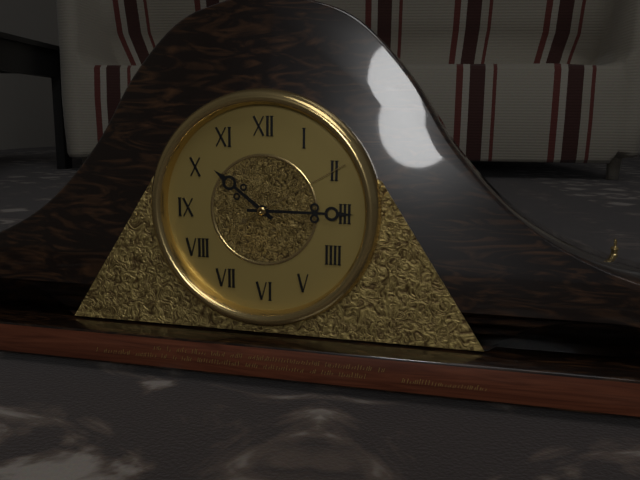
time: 10:15:10
